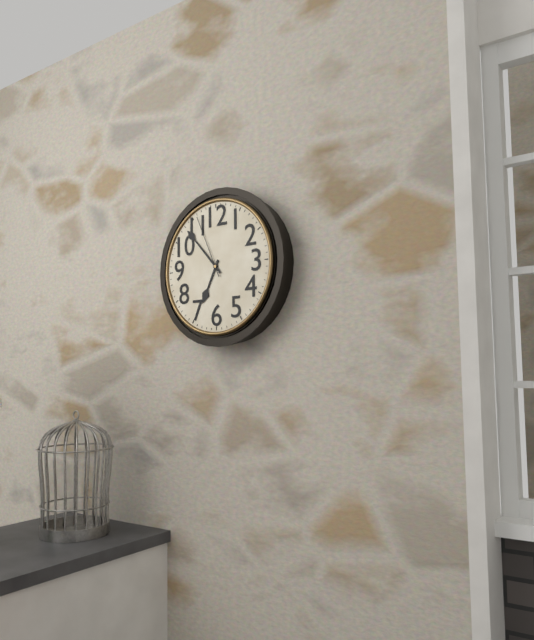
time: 6:53:56
